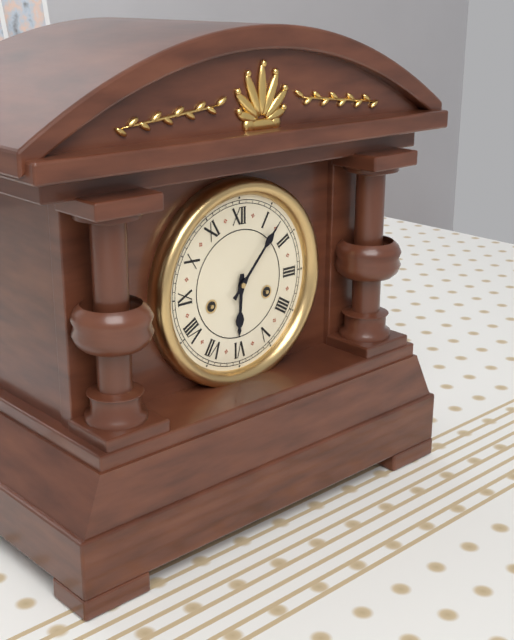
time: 6:07
